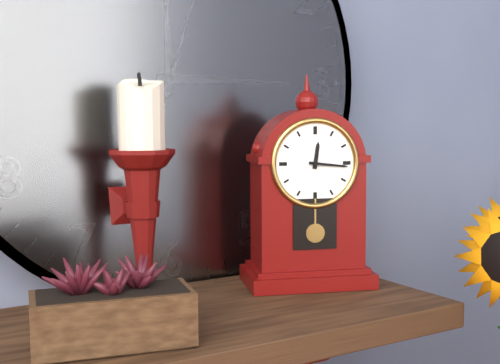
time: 12:16
